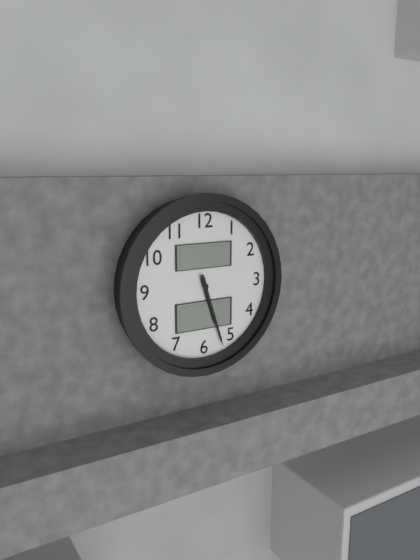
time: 5:27
